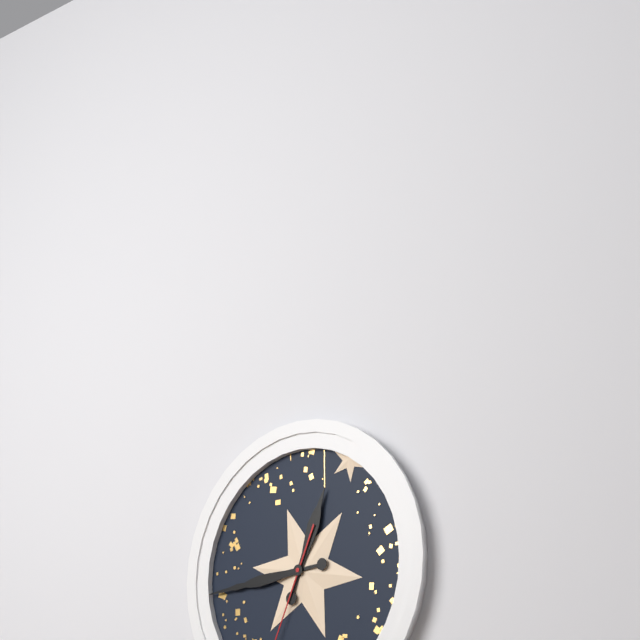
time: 12:44
